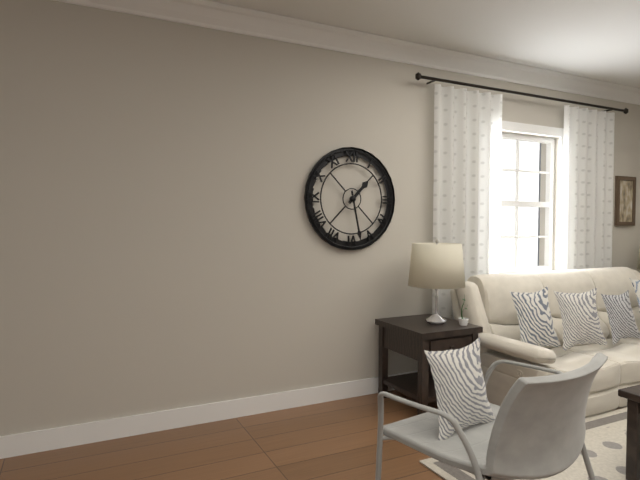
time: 1:28
